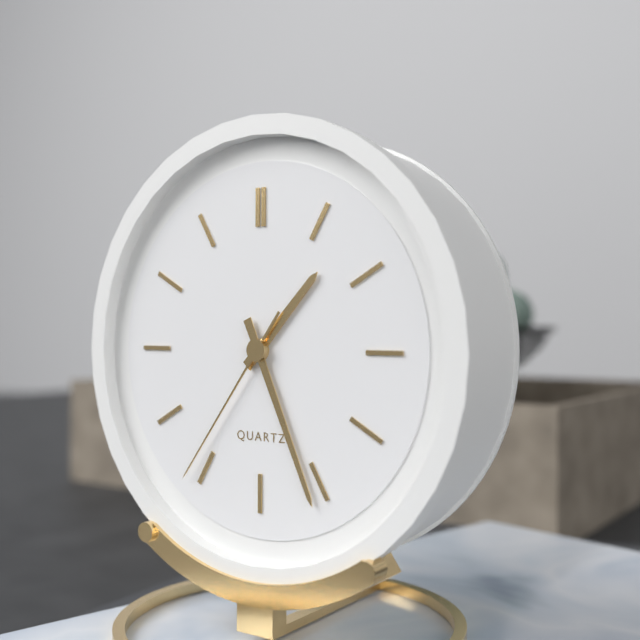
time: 1:26:36
